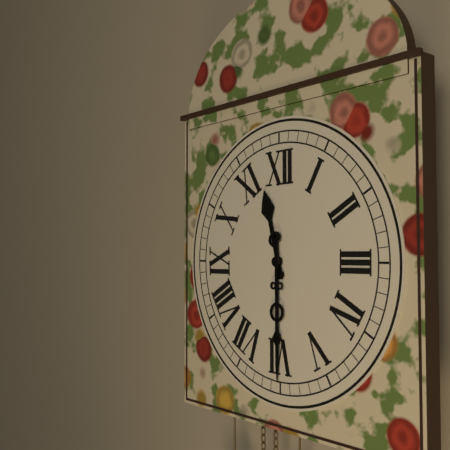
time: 11:30
